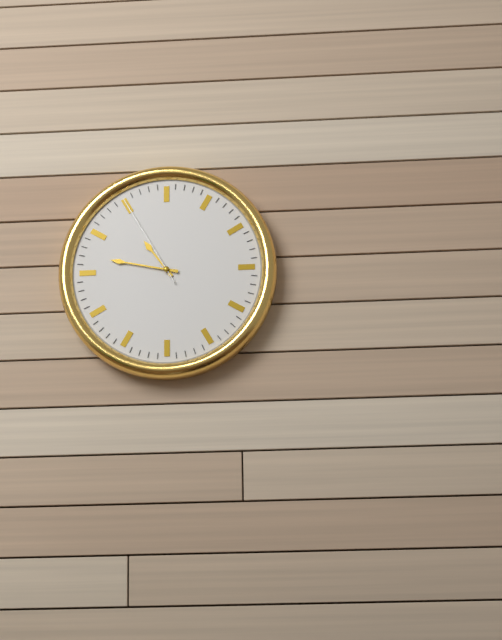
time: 10:47:55
